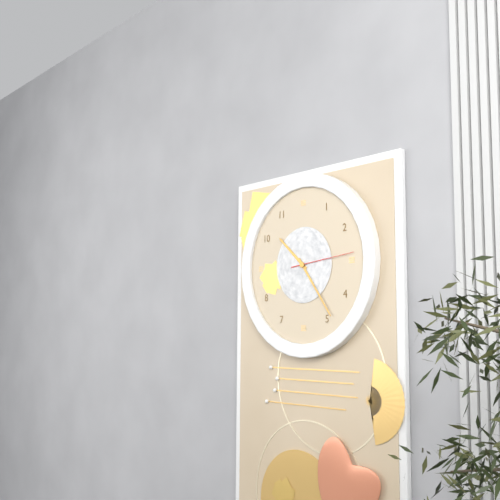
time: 10:24:14
